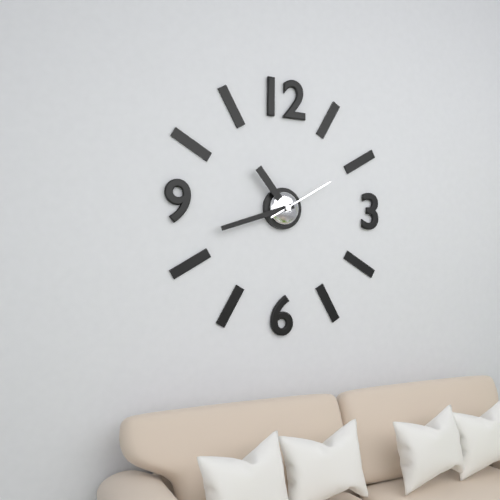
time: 10:42:10
